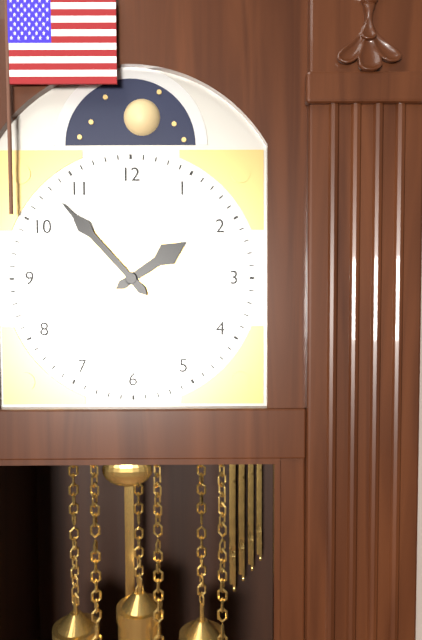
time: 1:53
